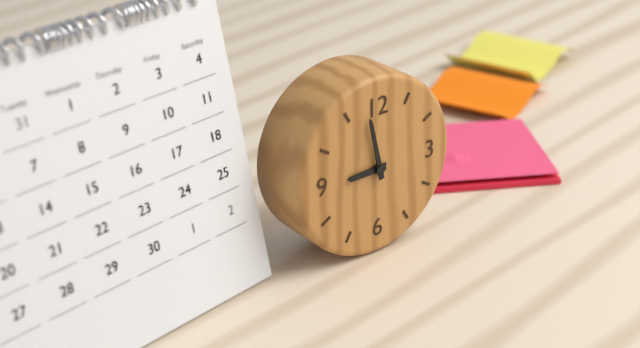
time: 8:58
